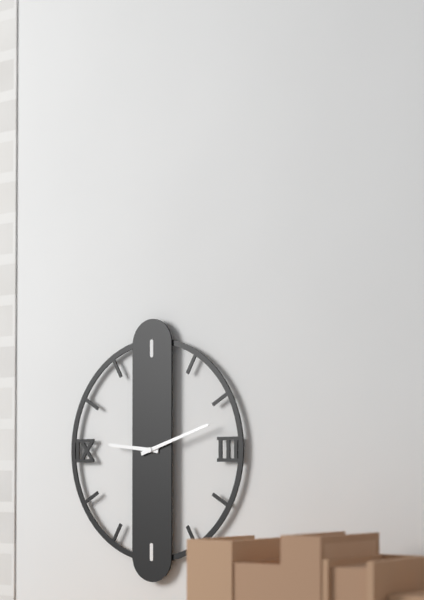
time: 9:12
